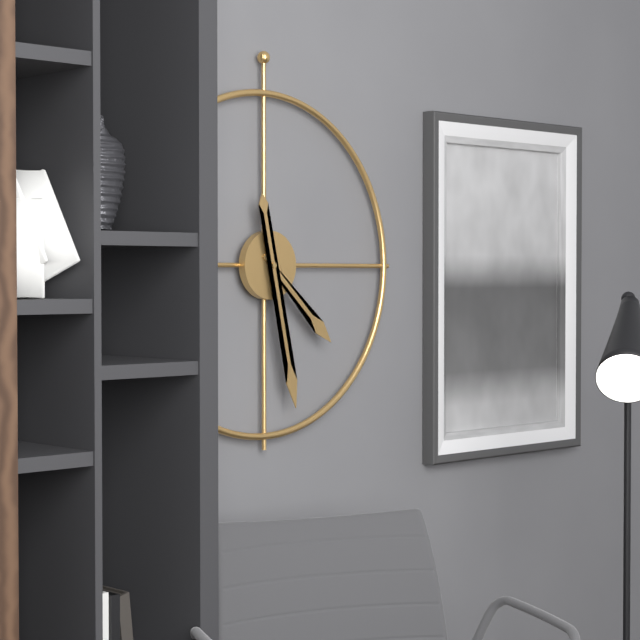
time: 4:28
